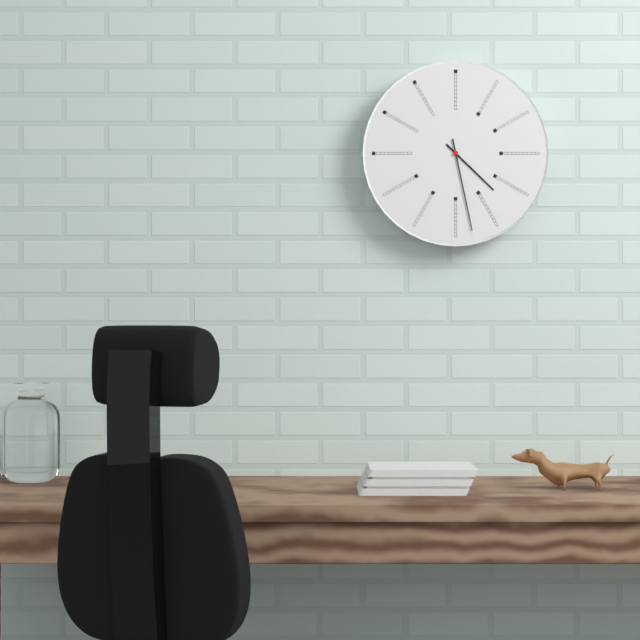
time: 4:28
